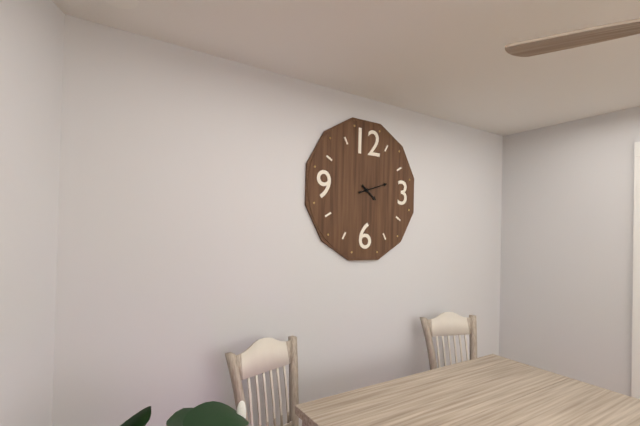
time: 4:12
